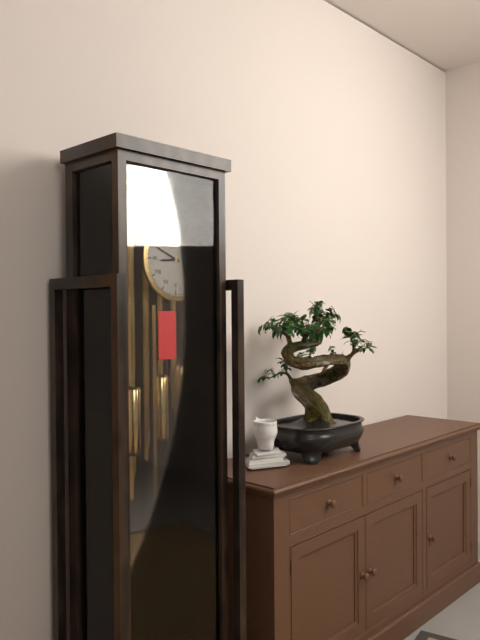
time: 8:49
